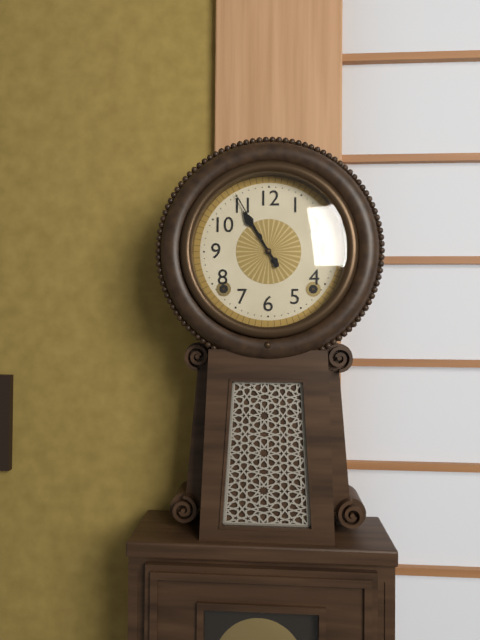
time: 10:55
